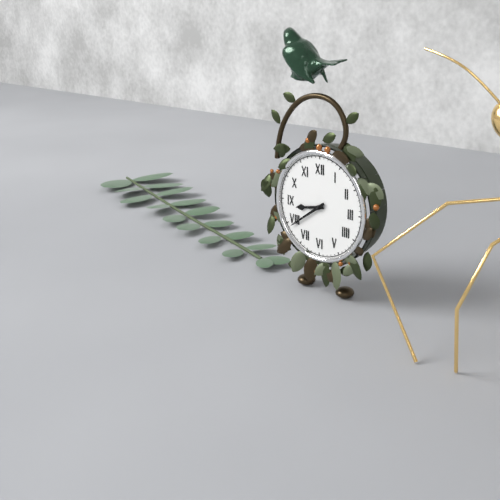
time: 8:39
